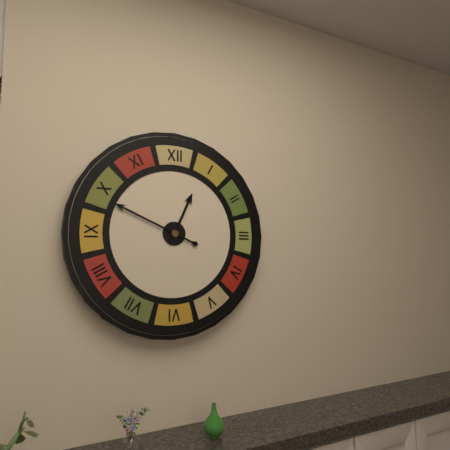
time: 12:49
